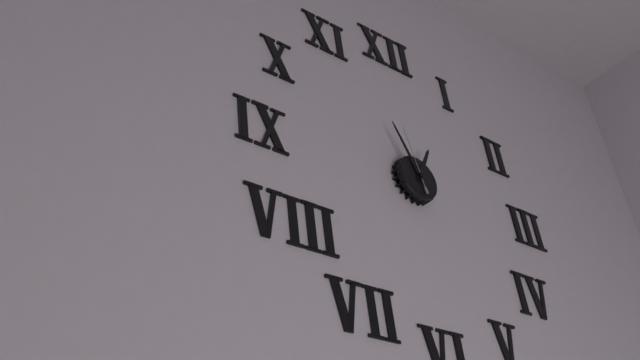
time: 12:56:58
